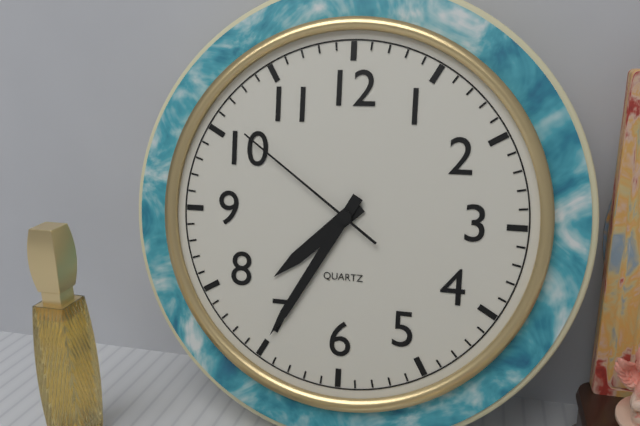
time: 7:35:51
